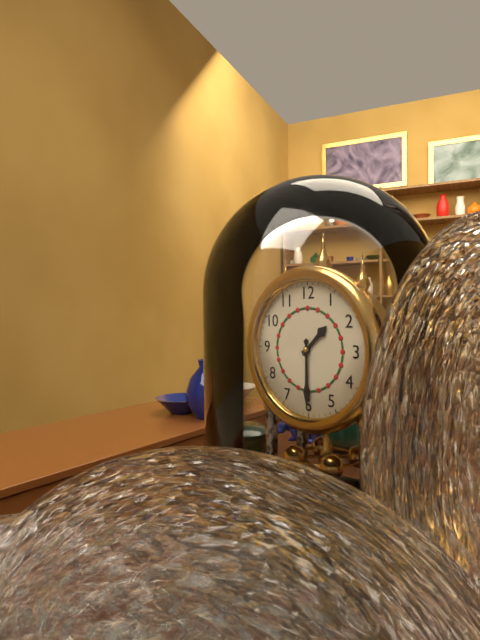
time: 1:30
